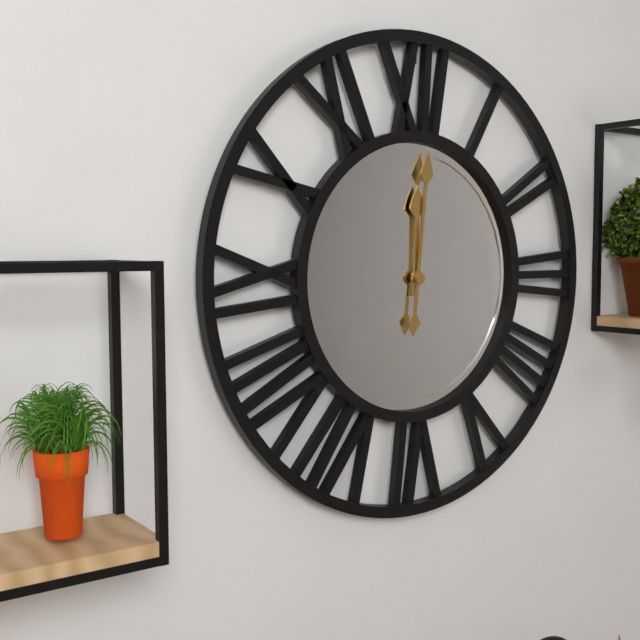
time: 12:01
